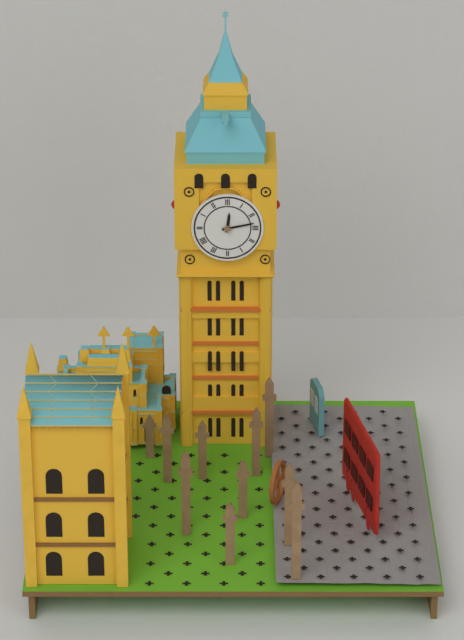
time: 12:13
